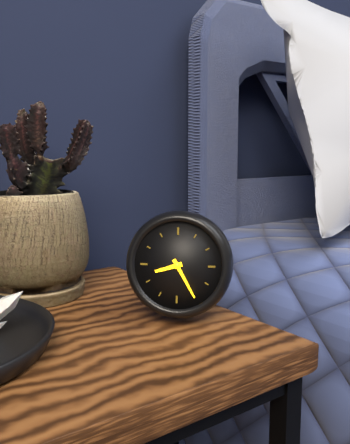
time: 8:25
